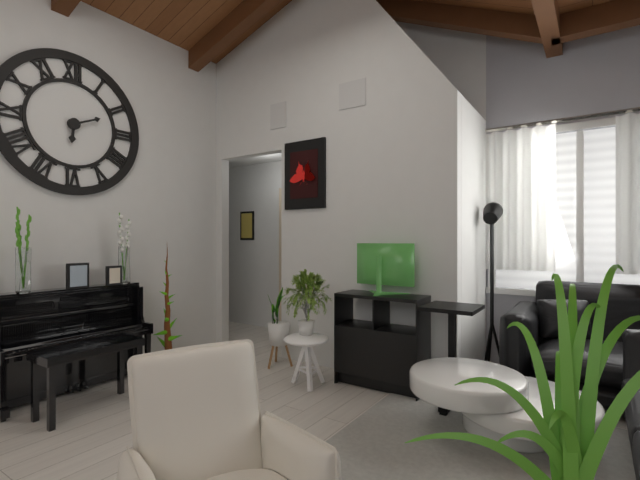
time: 6:11
